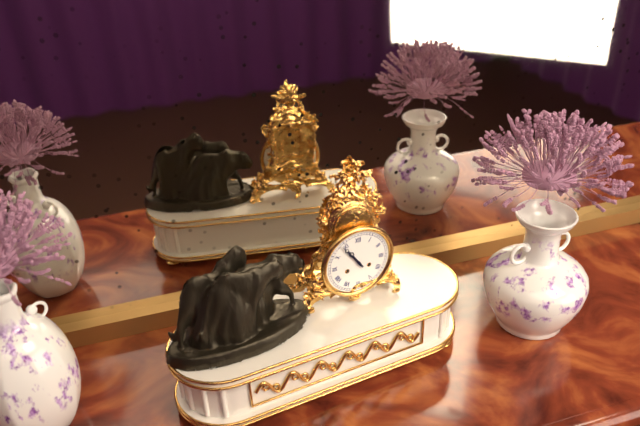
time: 10:54
